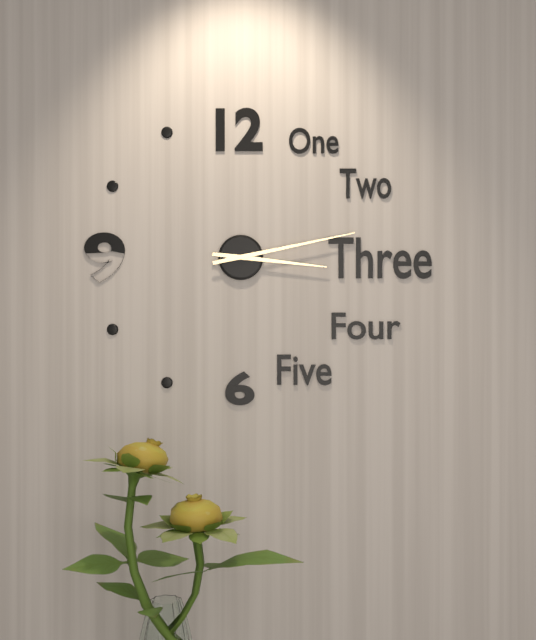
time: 3:13
